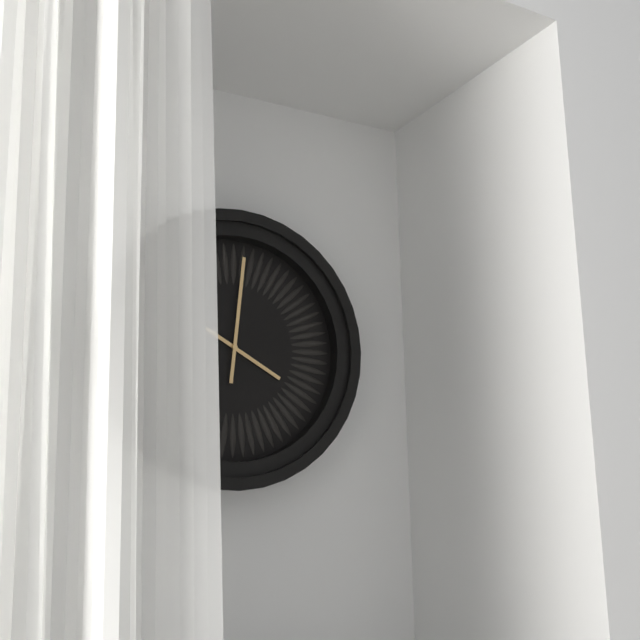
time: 4:01
